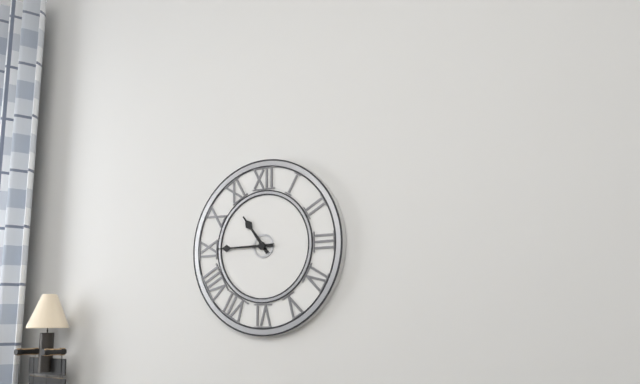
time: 10:45
